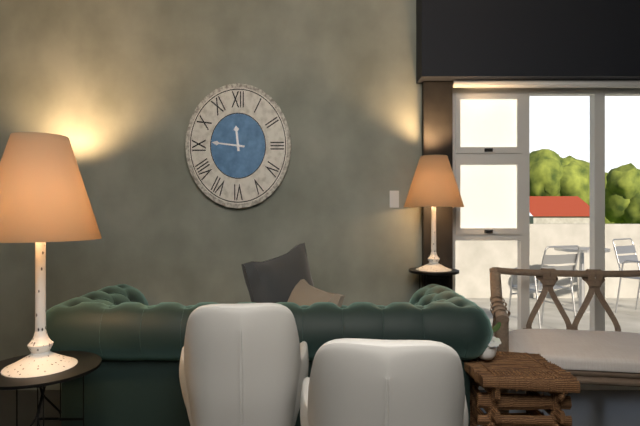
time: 11:46
